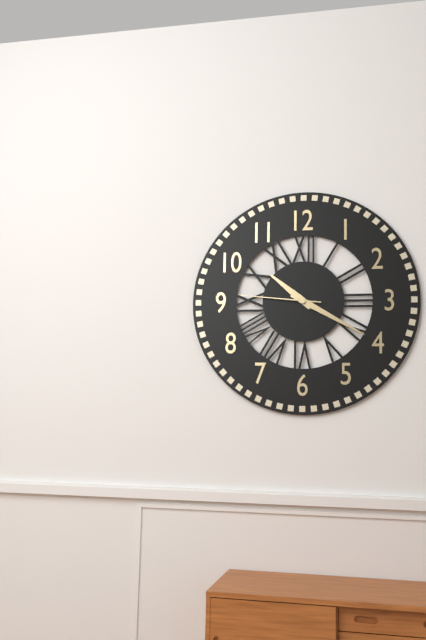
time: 10:20:46
